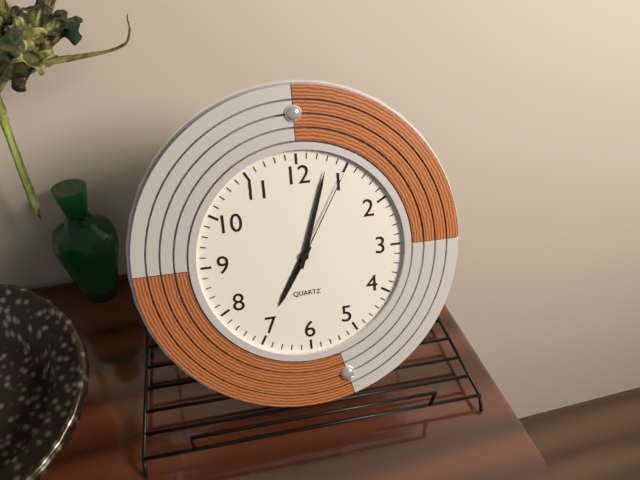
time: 7:03:05
